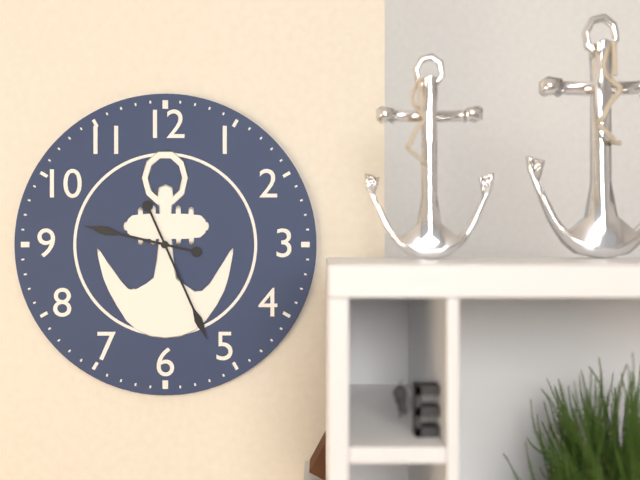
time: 9:26
